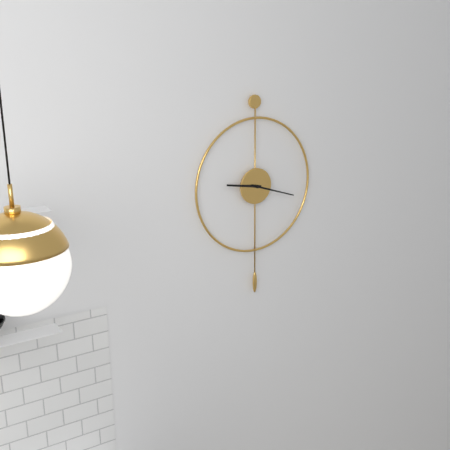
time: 9:18
